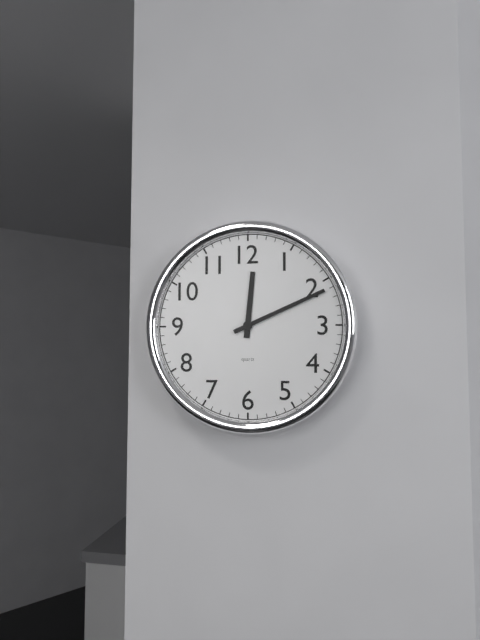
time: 12:11
